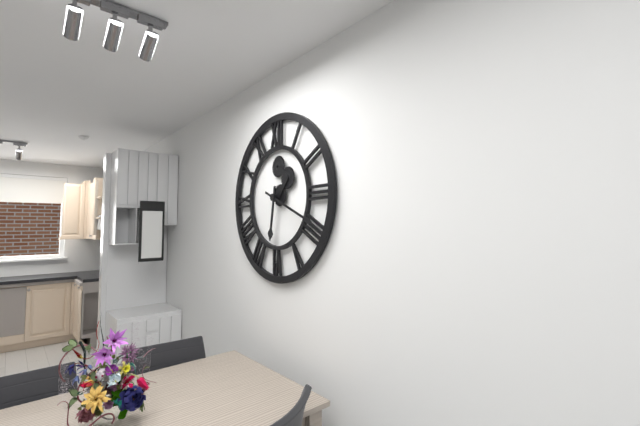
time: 6:19
